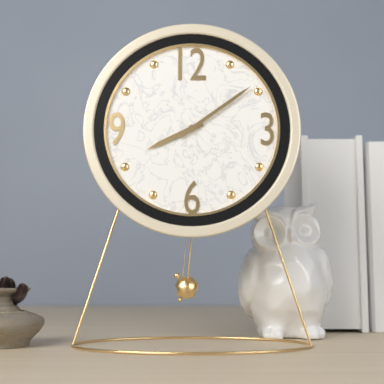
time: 8:09
